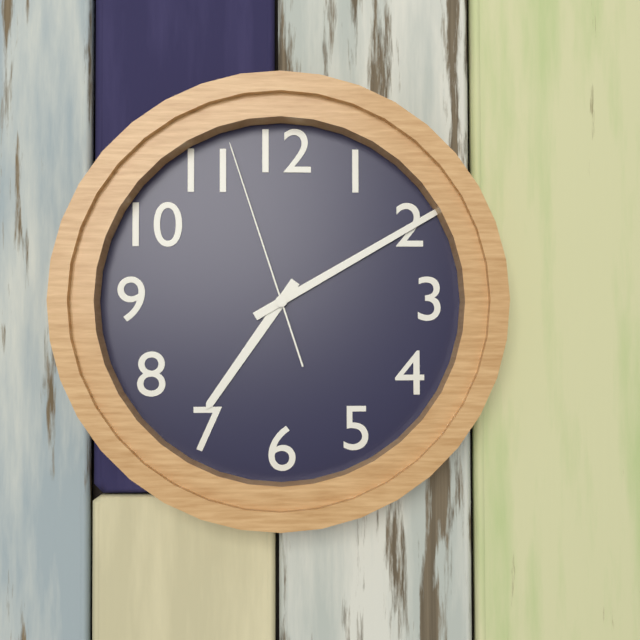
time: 7:10:57
